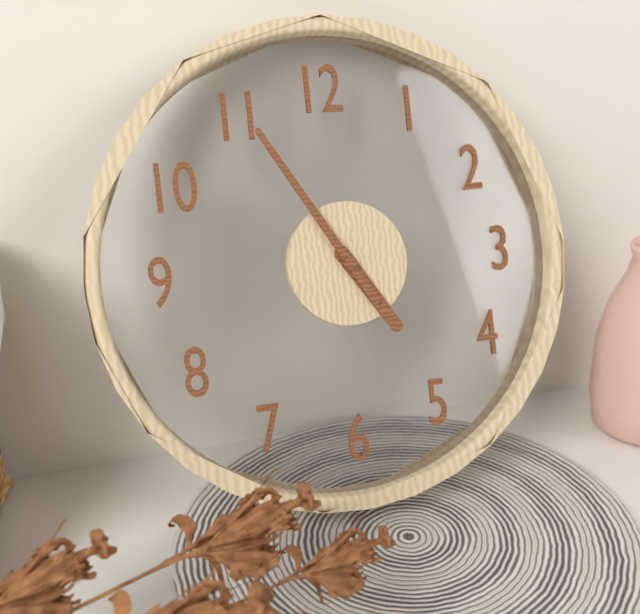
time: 4:55
